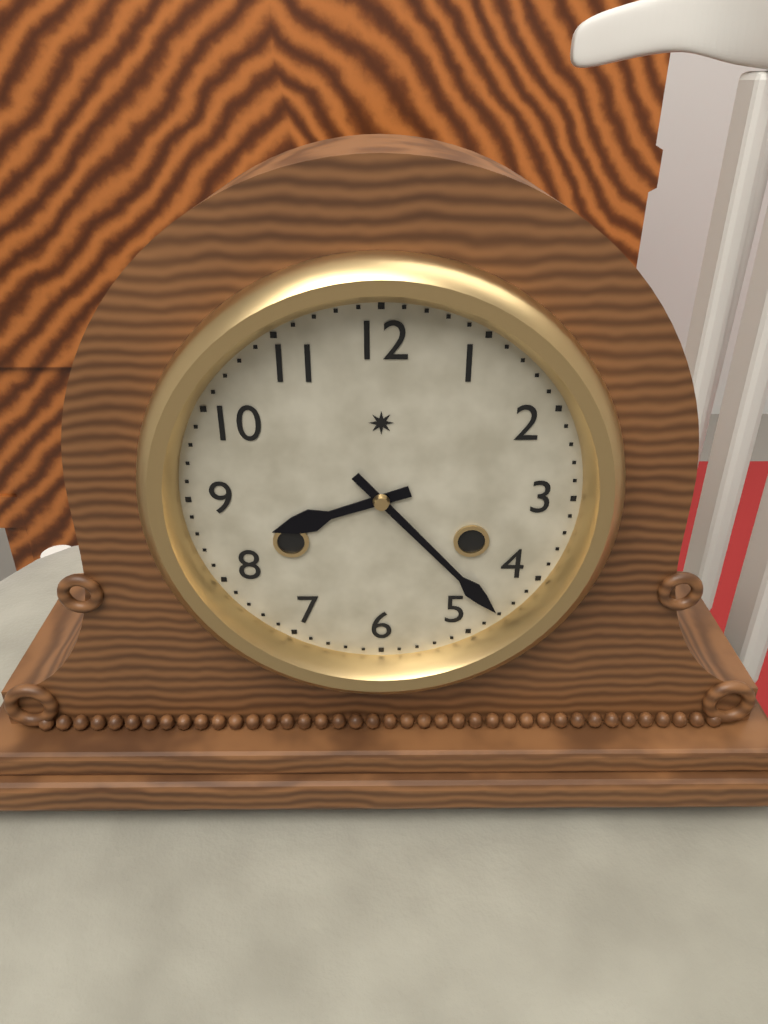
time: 8:23
